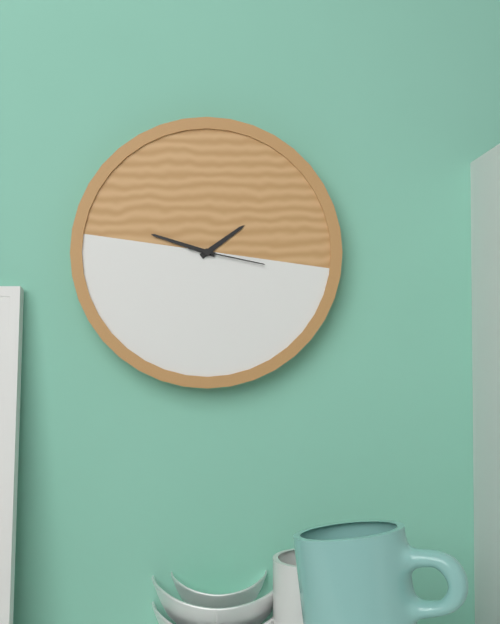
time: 1:48:17
